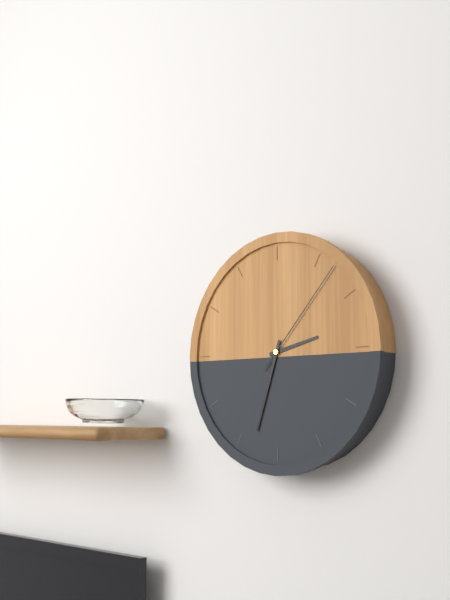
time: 2:33:07
